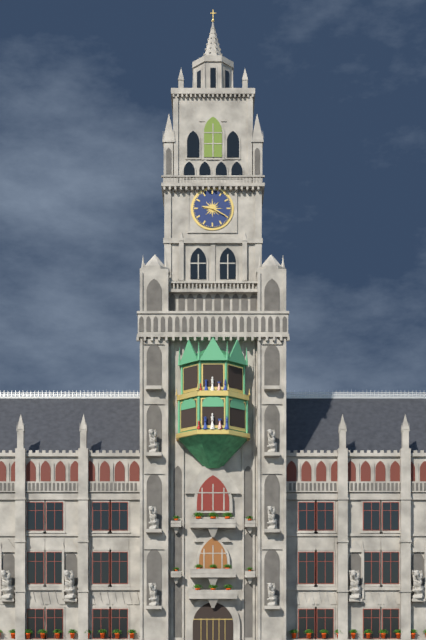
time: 9:20
